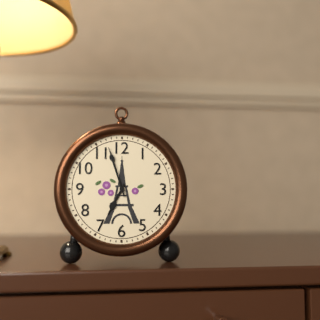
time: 6:57
